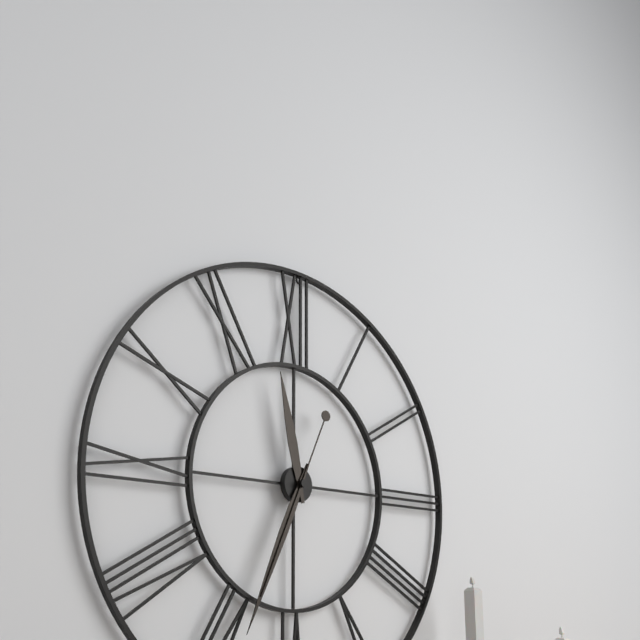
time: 11:34:34
